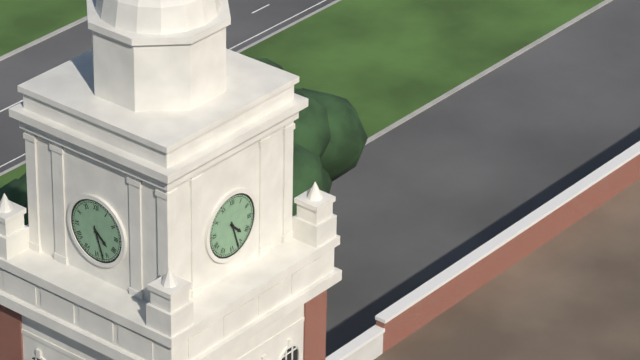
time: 4:27
